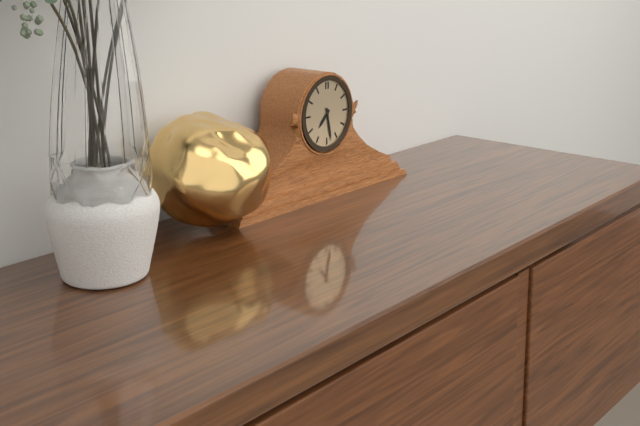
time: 7:28
